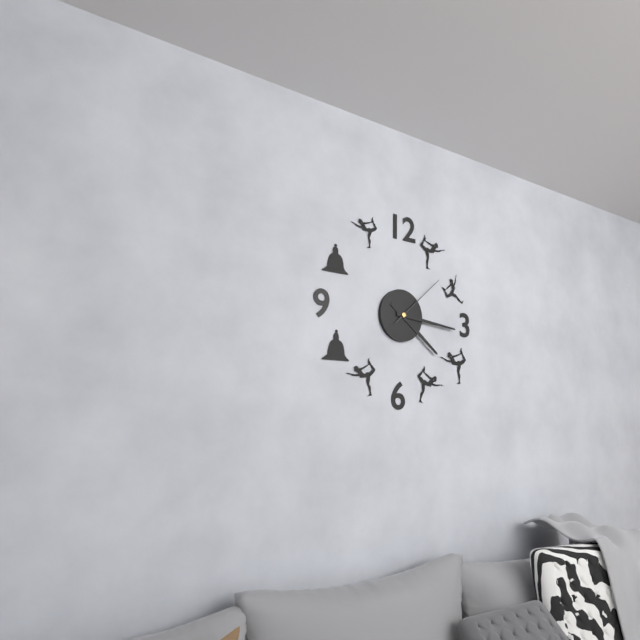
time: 4:16:08
